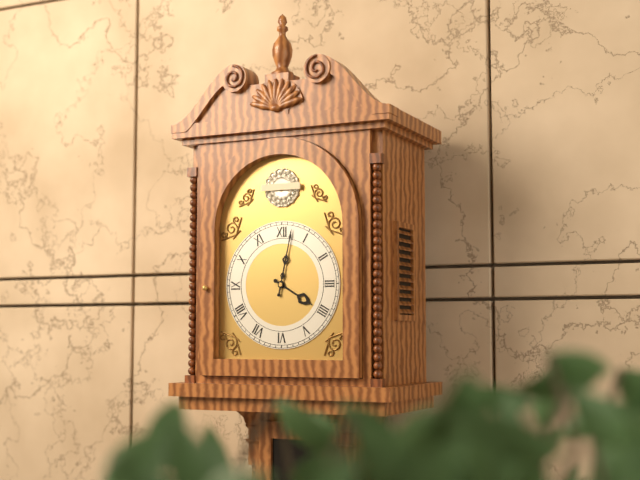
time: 4:02
